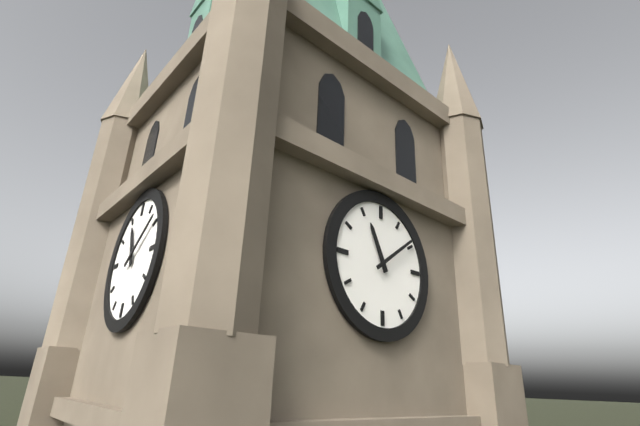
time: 11:09
